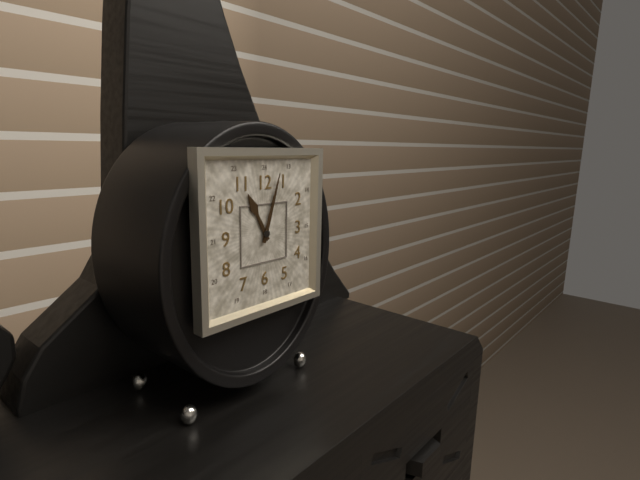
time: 11:03
